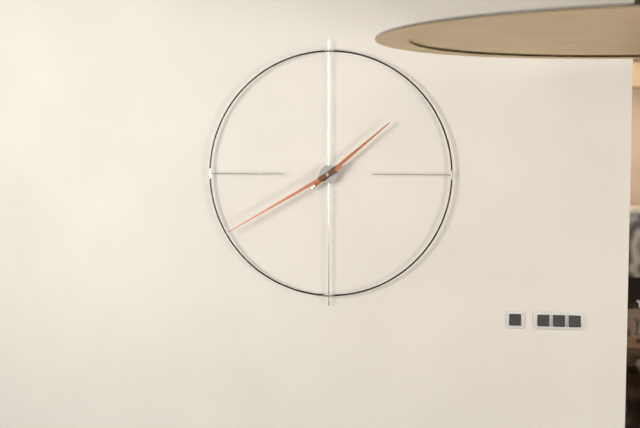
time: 1:40
